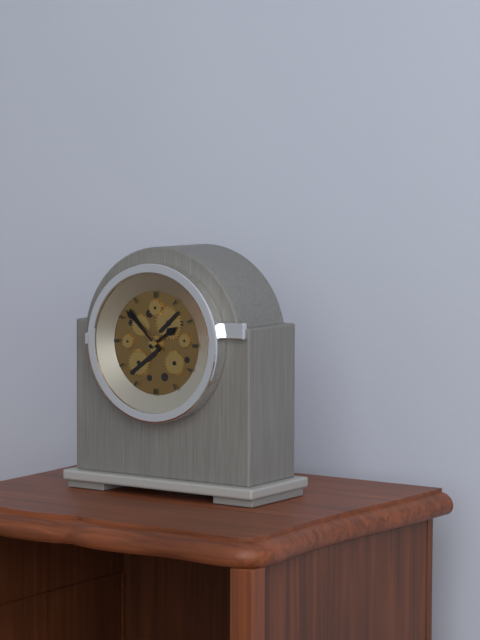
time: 1:52
